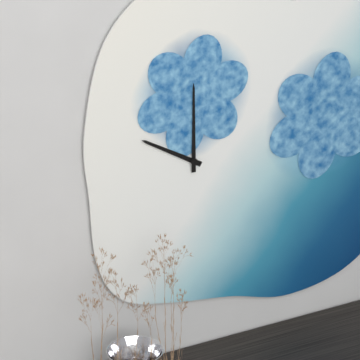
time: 10:00
